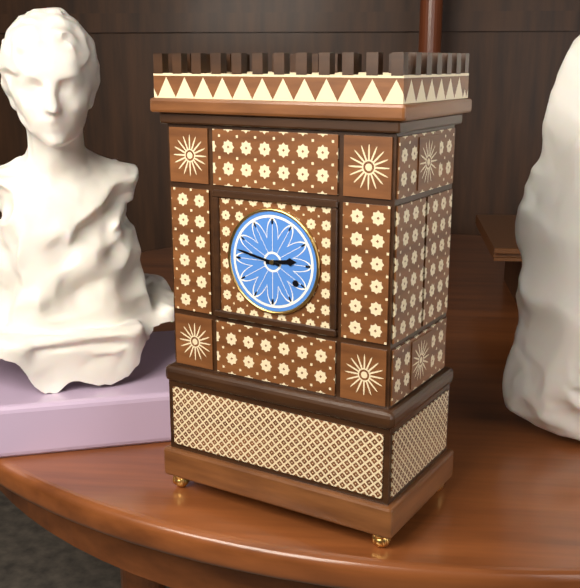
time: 2:47
